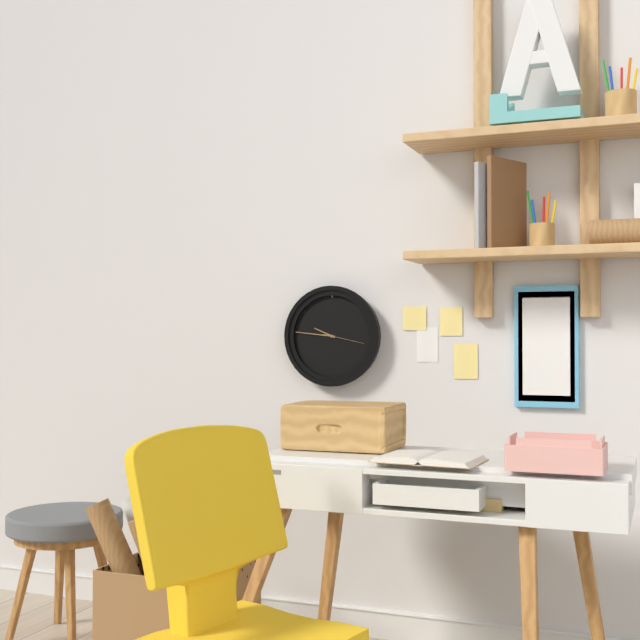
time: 9:46
